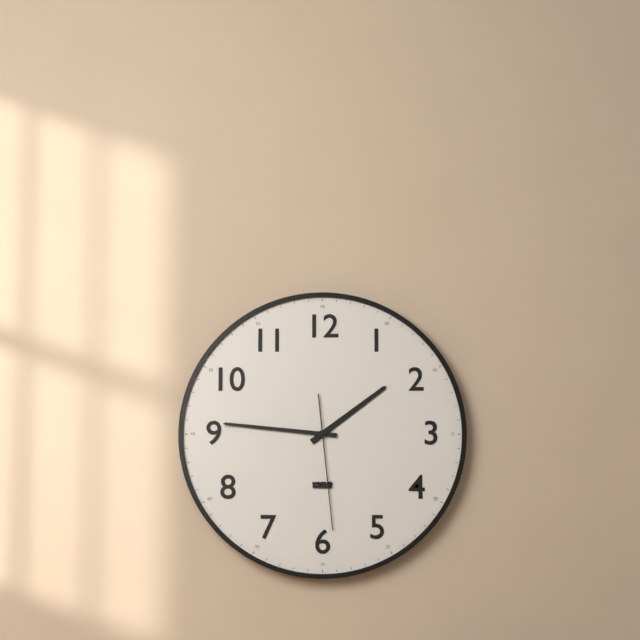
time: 1:46:29
